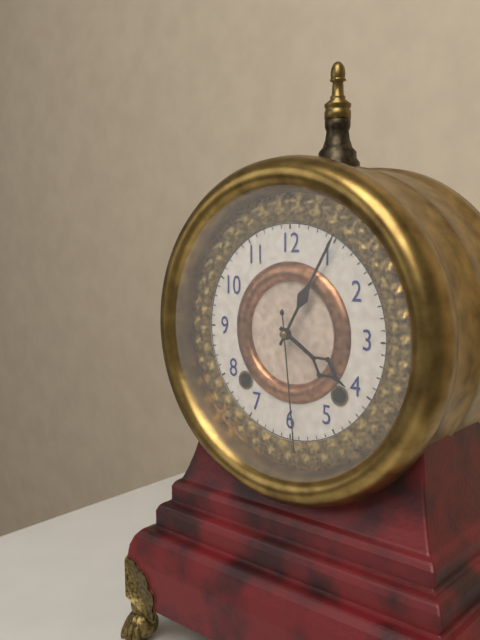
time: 4:05:29
